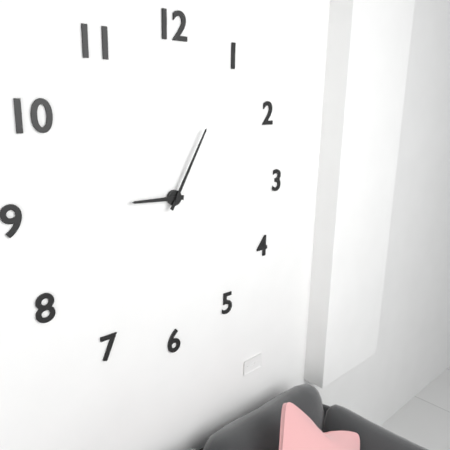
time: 9:05
